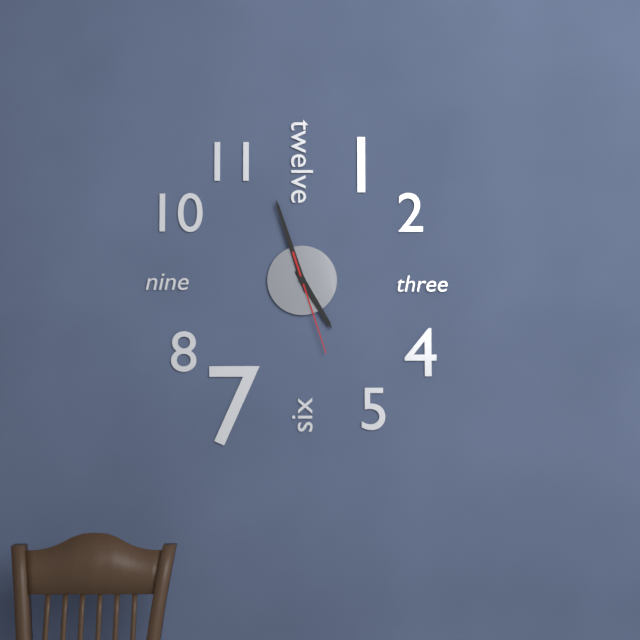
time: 4:57:27
